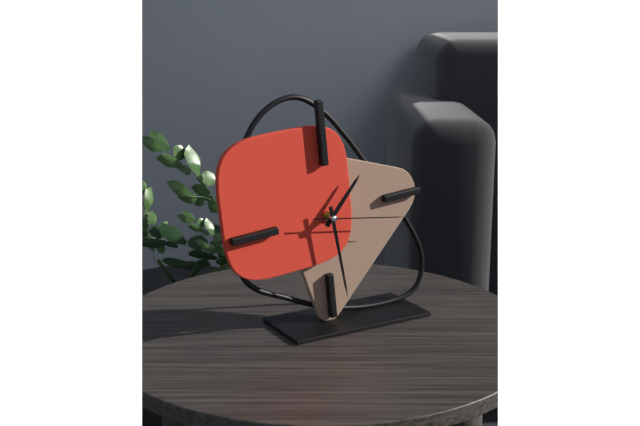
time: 1:29:17
